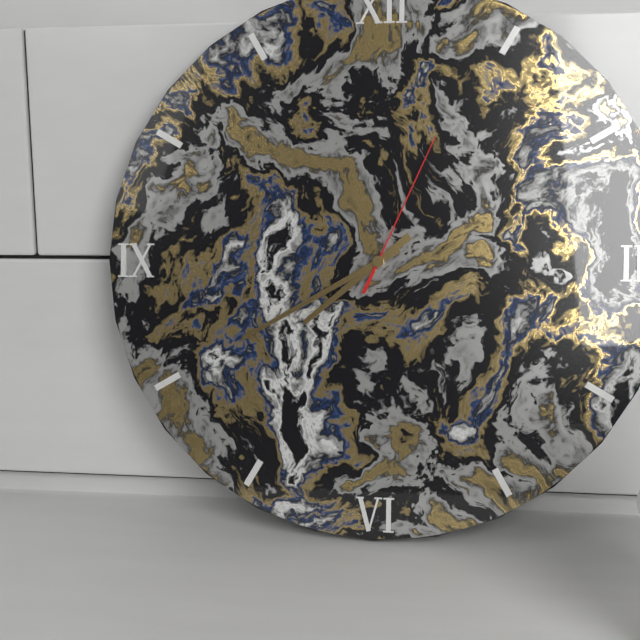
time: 7:40:04
